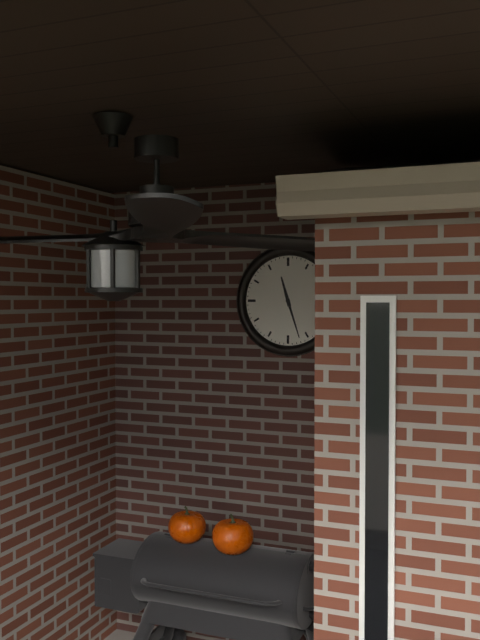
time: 11:27
